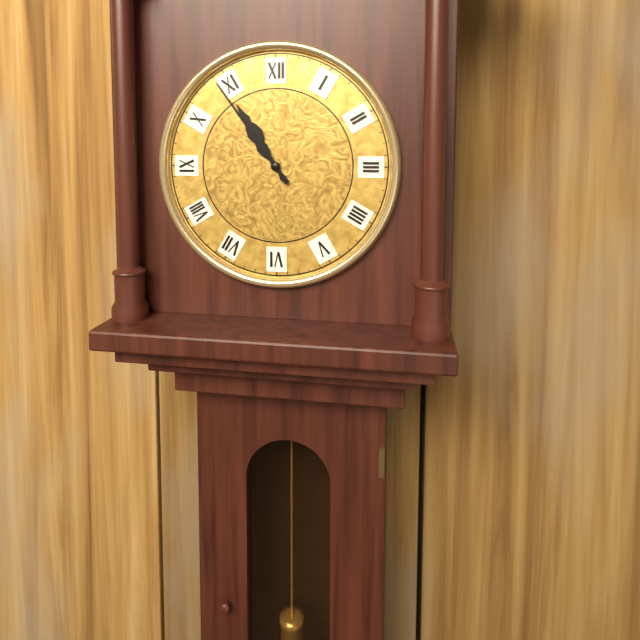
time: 10:54
